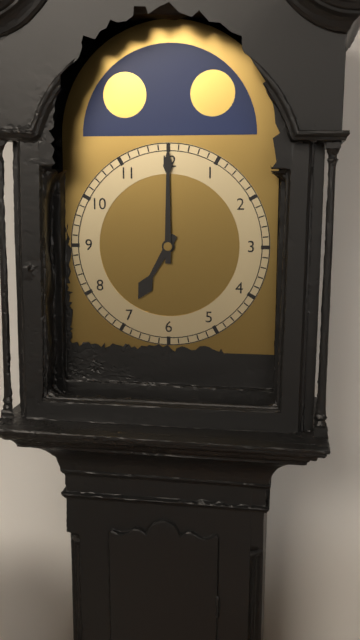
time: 7:00
